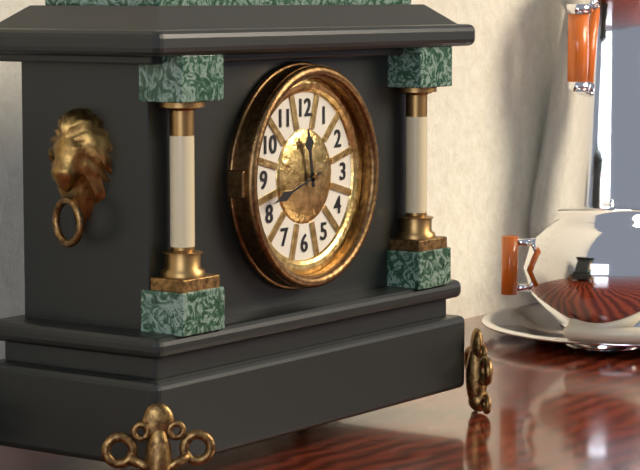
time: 11:42
